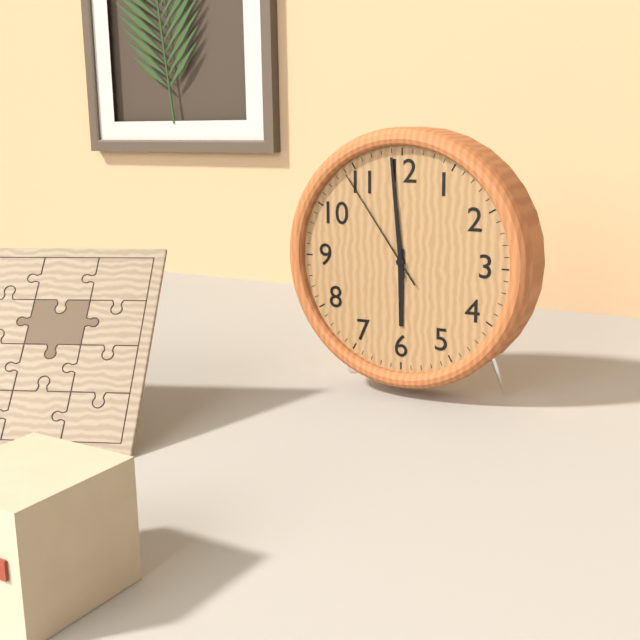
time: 5:59:54
